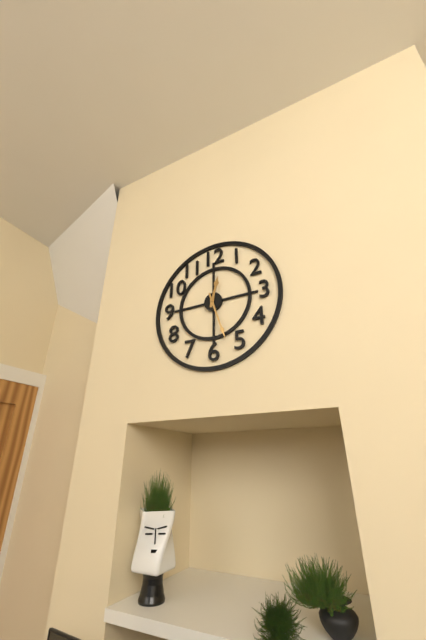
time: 12:27
